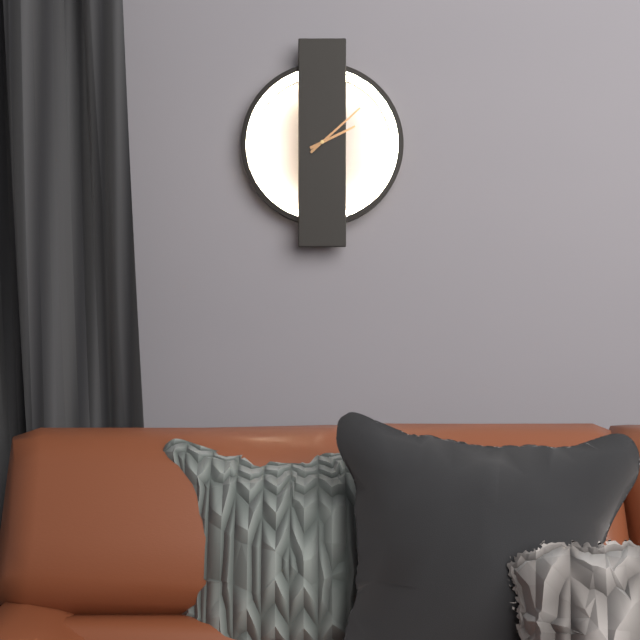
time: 2:08
